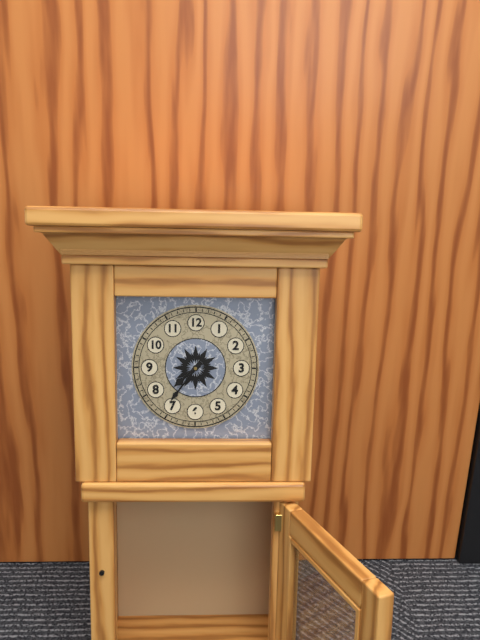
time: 7:36
